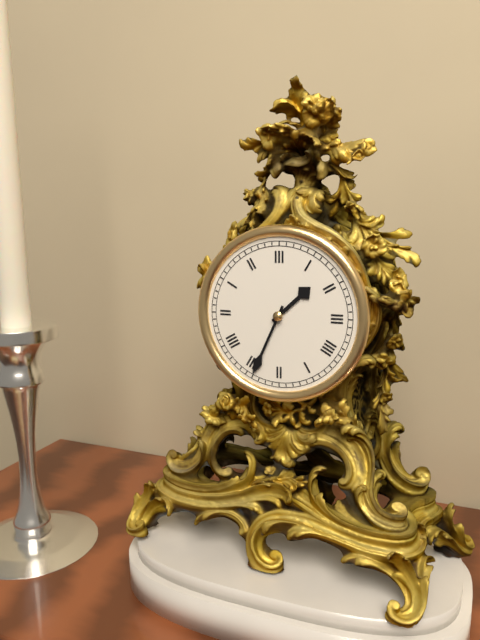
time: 1:34
